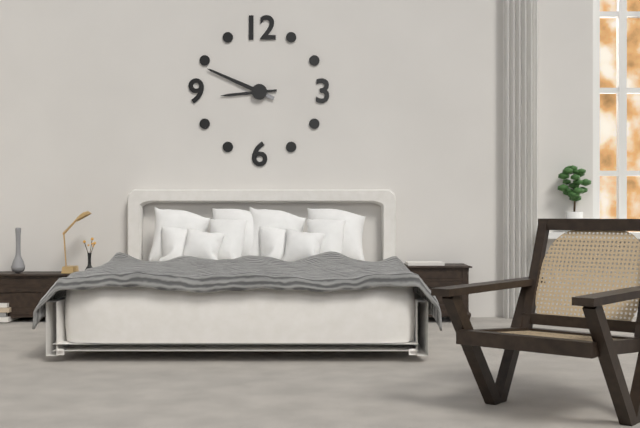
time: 8:49
